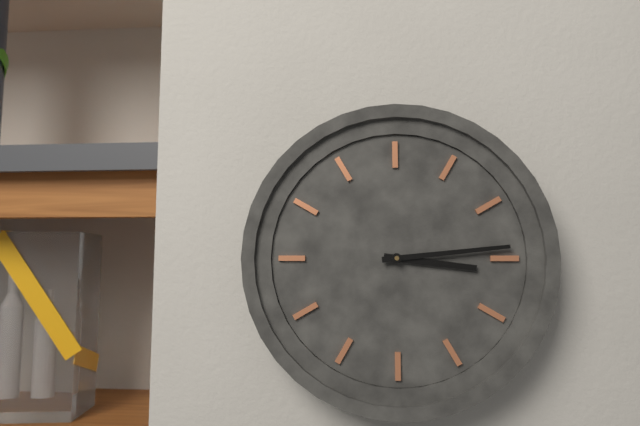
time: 3:14
